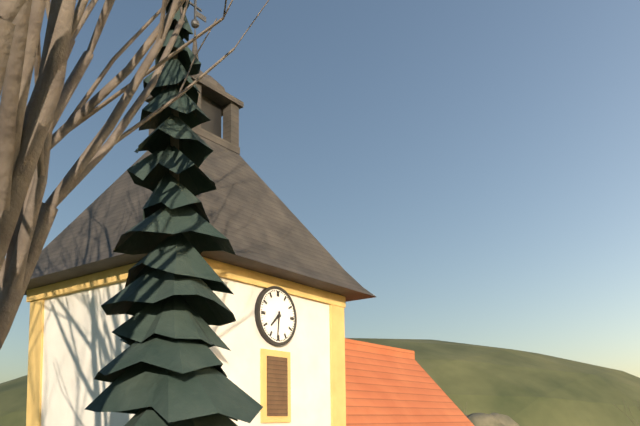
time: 7:31
